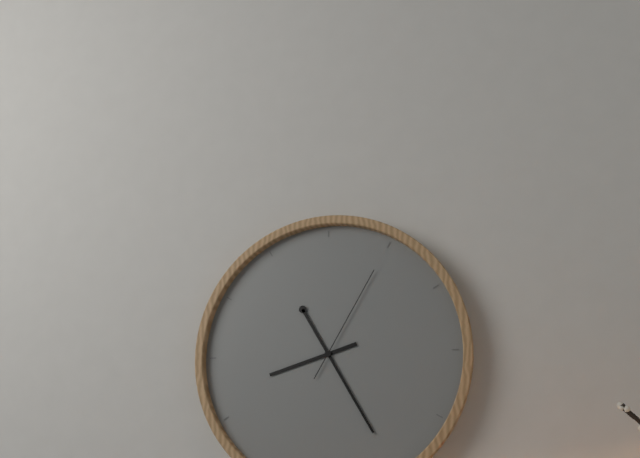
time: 8:25:05
